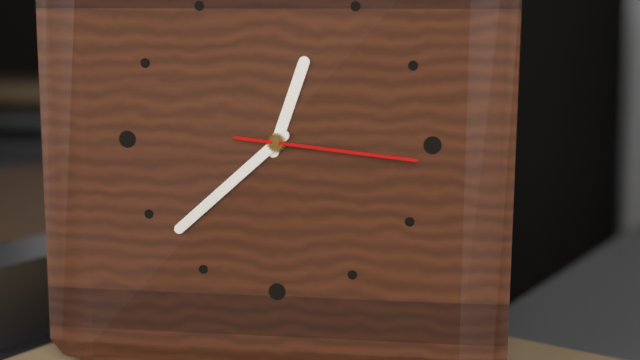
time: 12:38:16
